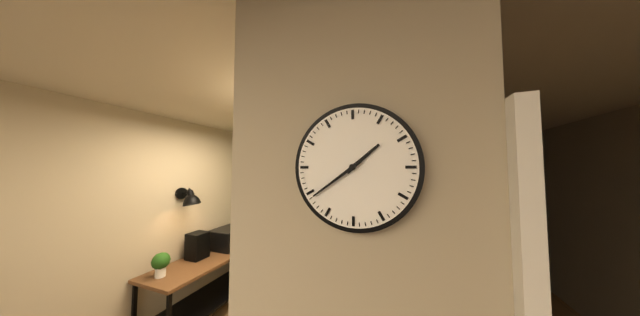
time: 1:39
